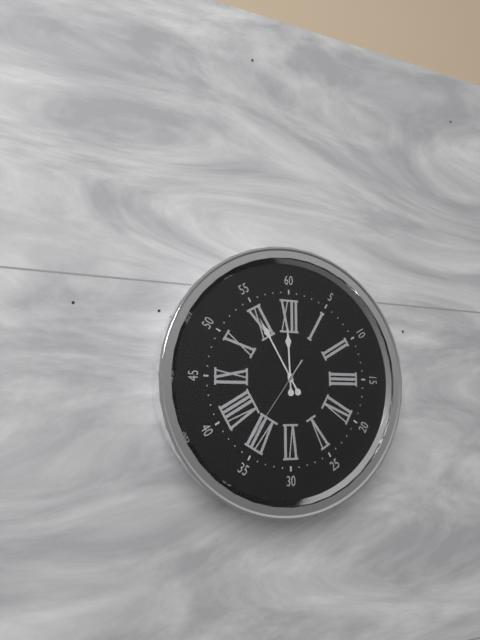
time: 11:55:36
